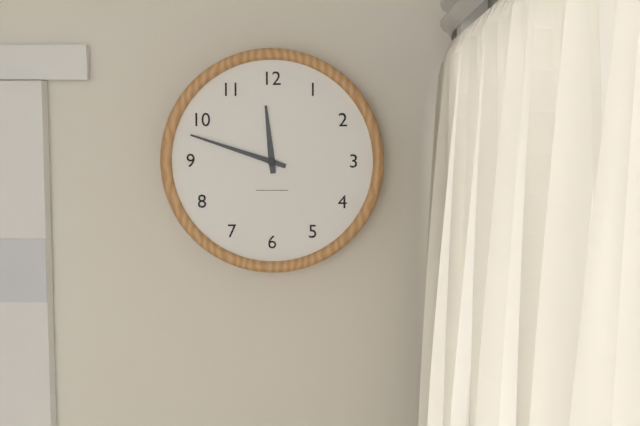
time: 11:48
